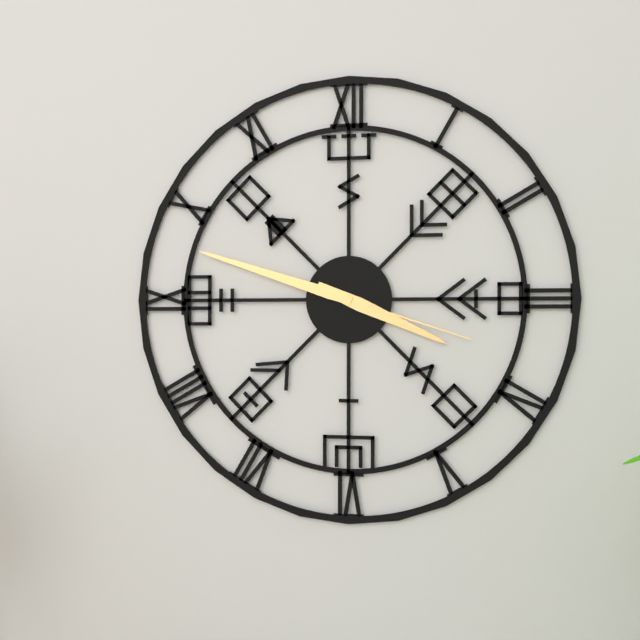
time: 3:48:18
